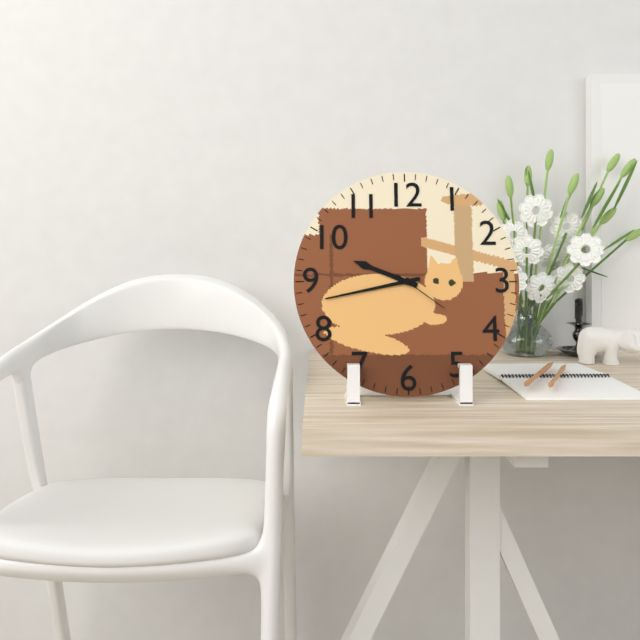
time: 9:43:21
